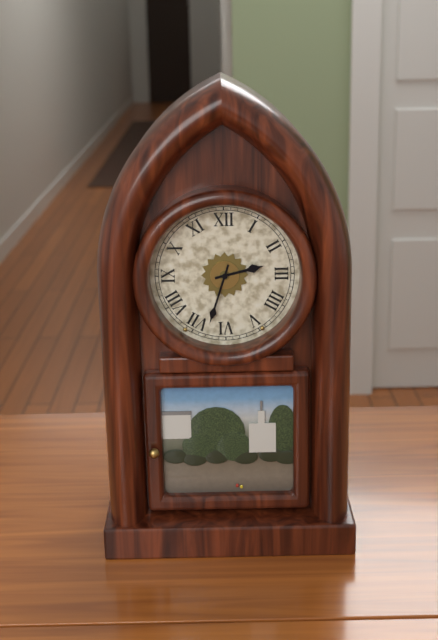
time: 2:33
